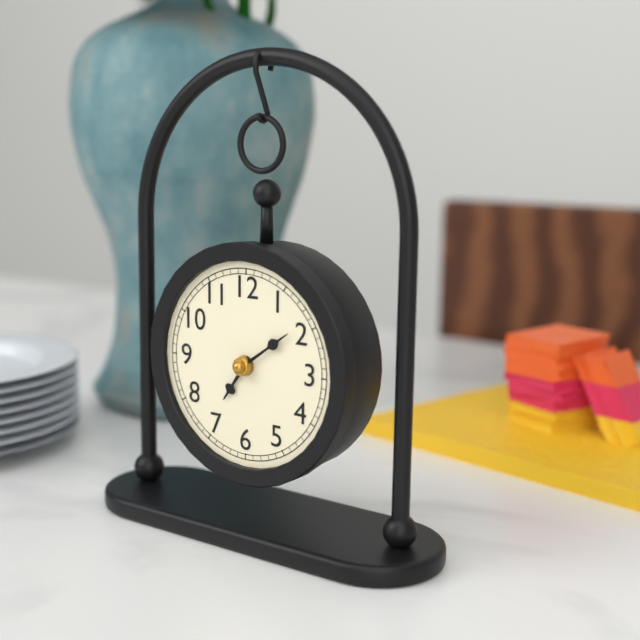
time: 7:09
